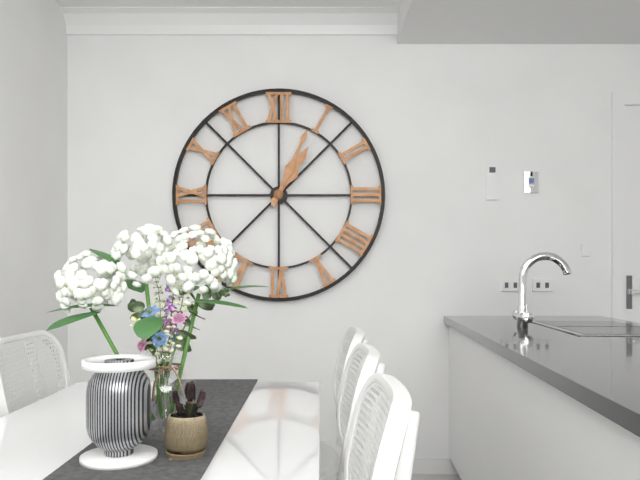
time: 1:04
